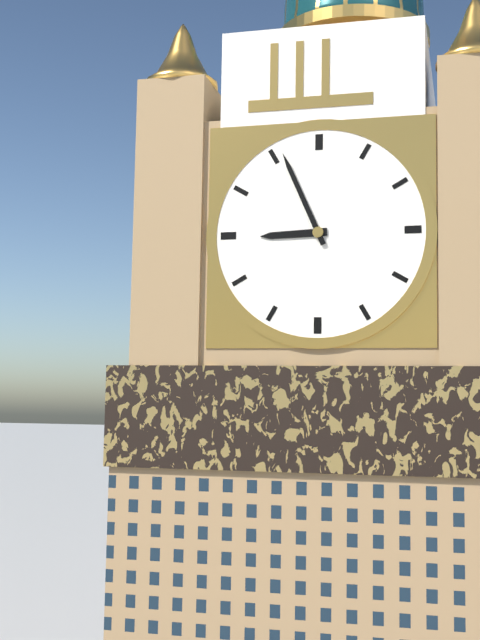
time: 8:56
